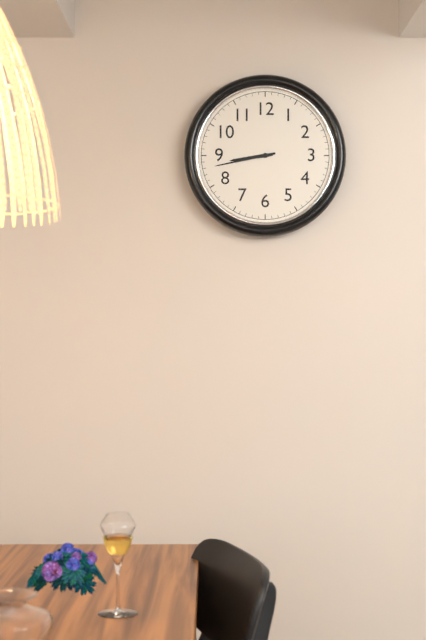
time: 8:43
